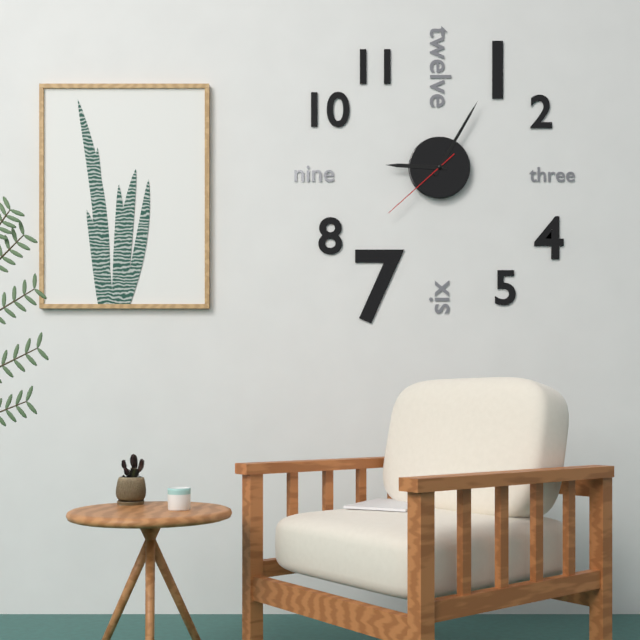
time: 9:05:38
